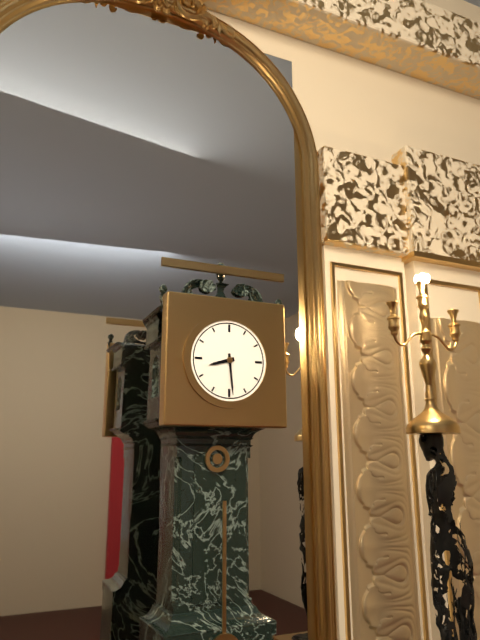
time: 8:29
